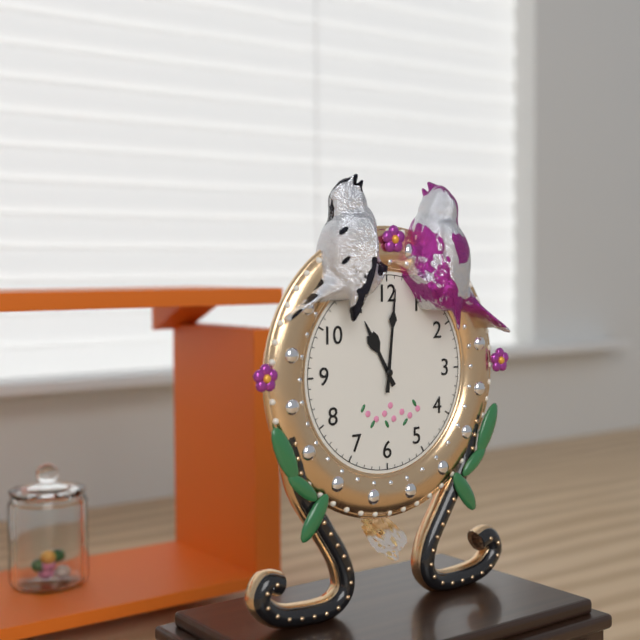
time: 11:01
